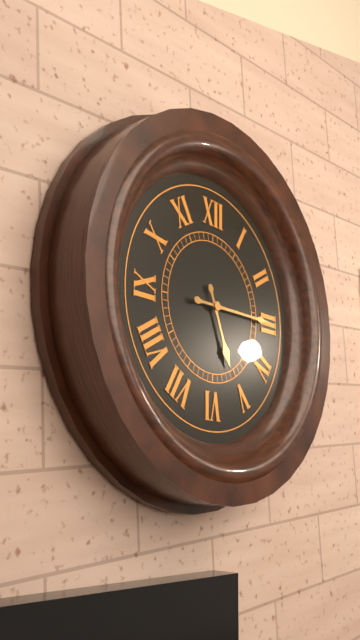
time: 5:15
